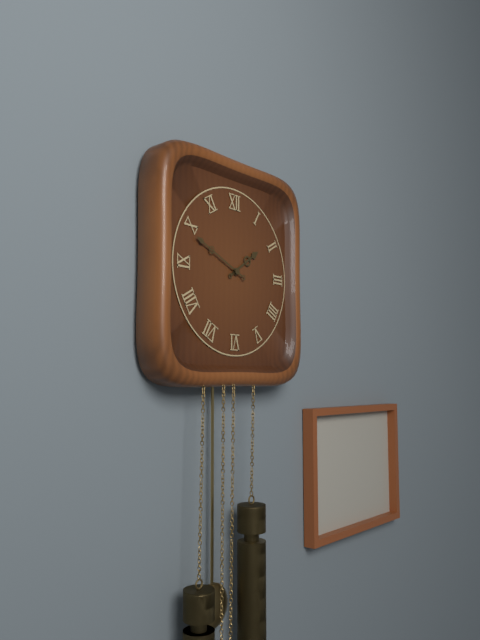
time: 1:49
